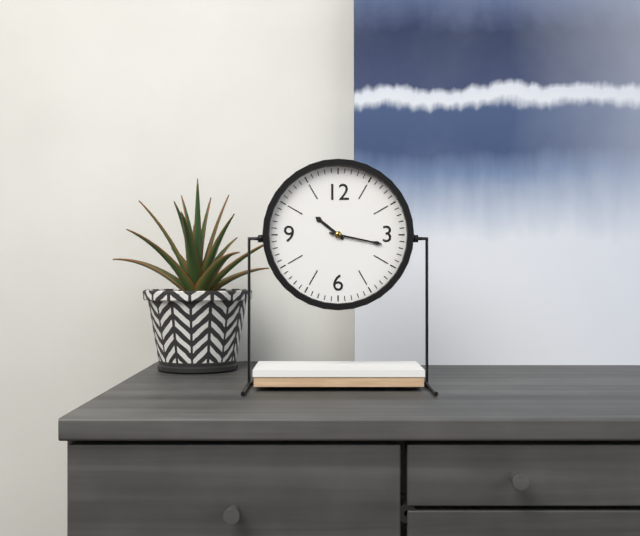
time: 10:17
